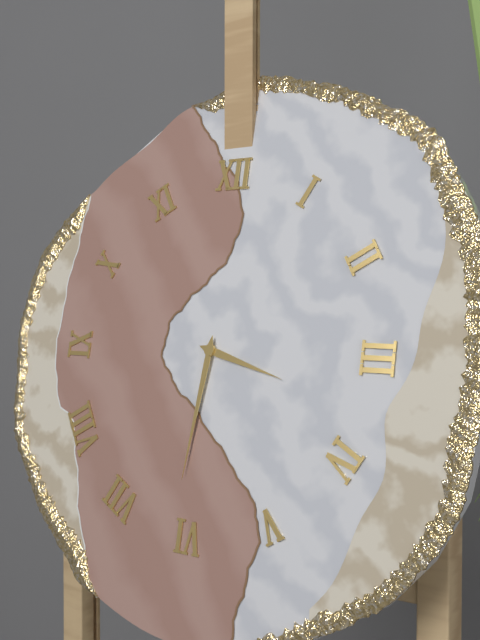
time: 3:31
